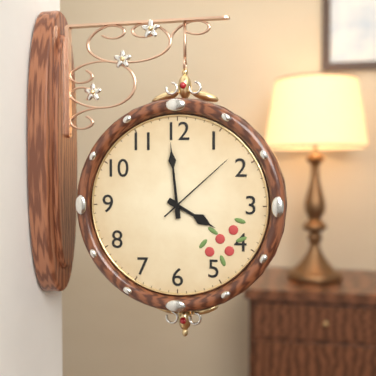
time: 3:59:08
